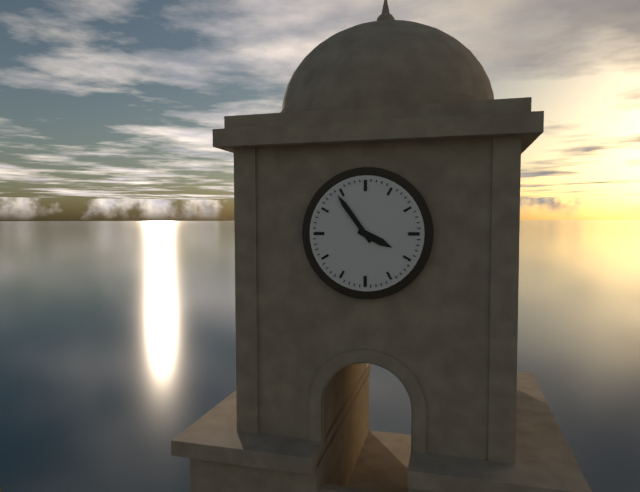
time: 3:54
